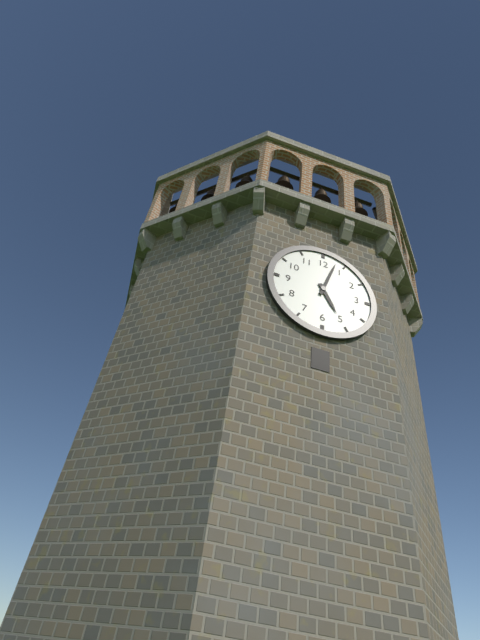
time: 5:03
